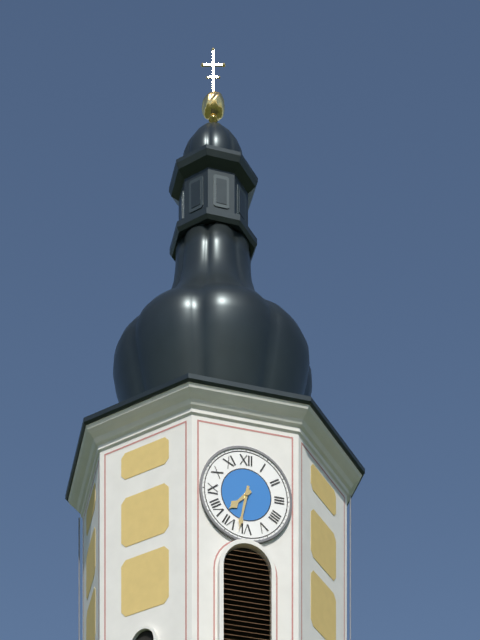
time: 7:32
